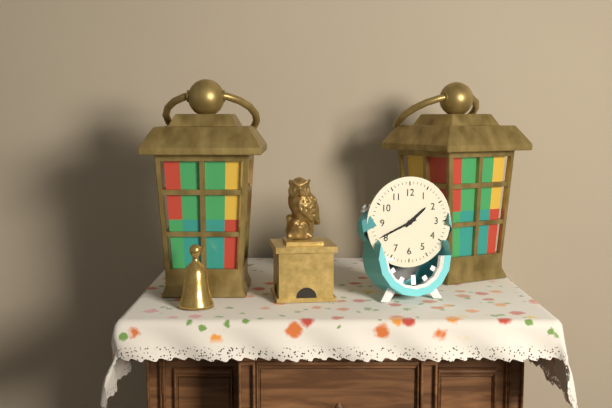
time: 1:41
